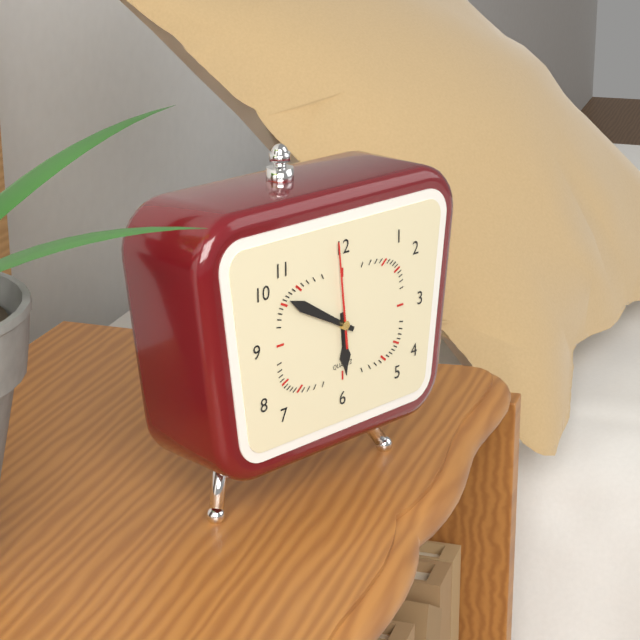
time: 5:50:59
